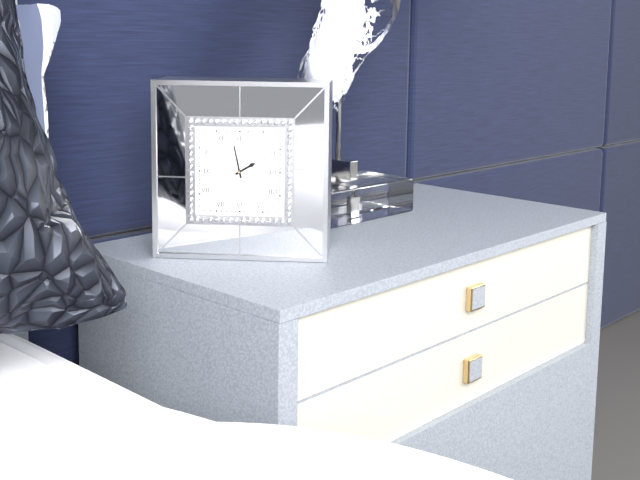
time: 1:58
